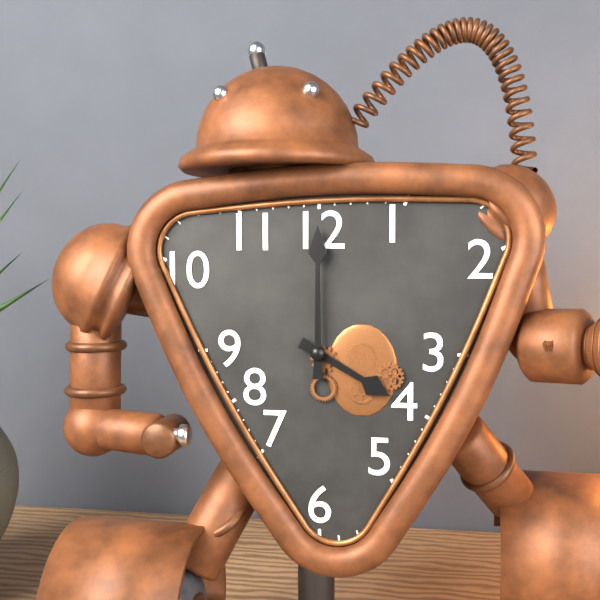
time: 4:00
